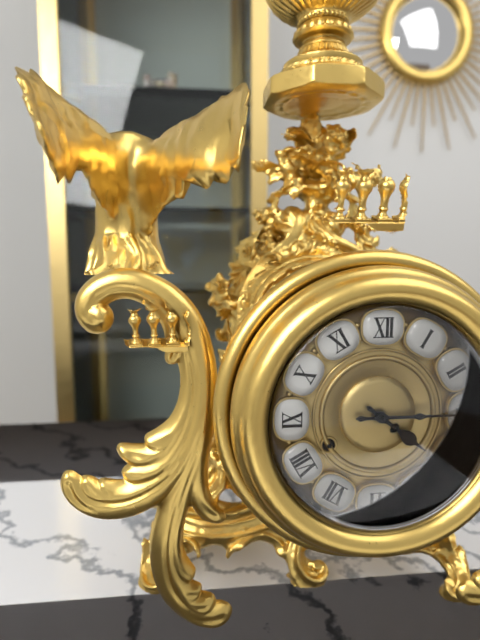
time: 4:15
